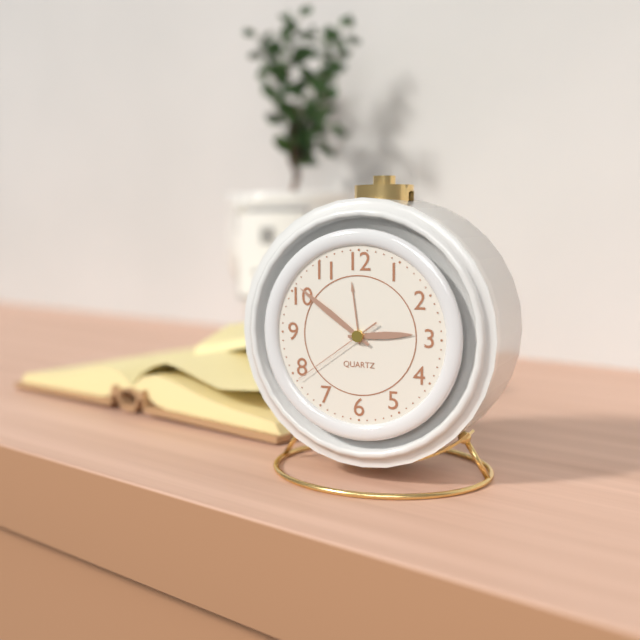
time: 2:51:39
